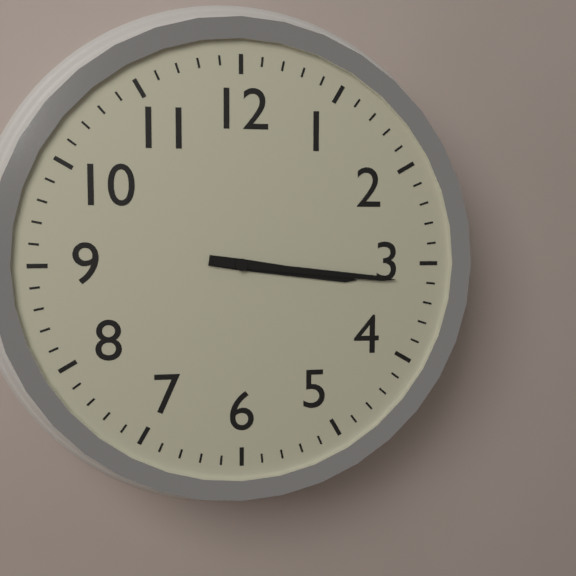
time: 3:16
